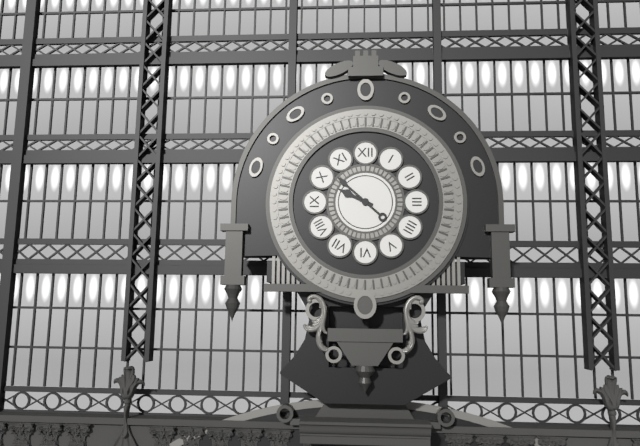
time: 9:52
